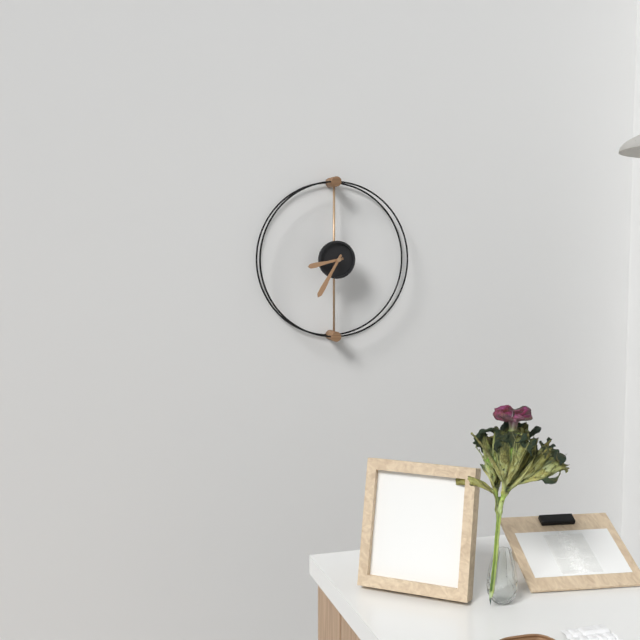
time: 8:35
